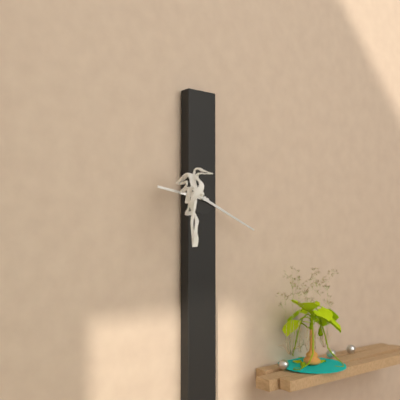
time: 9:19
